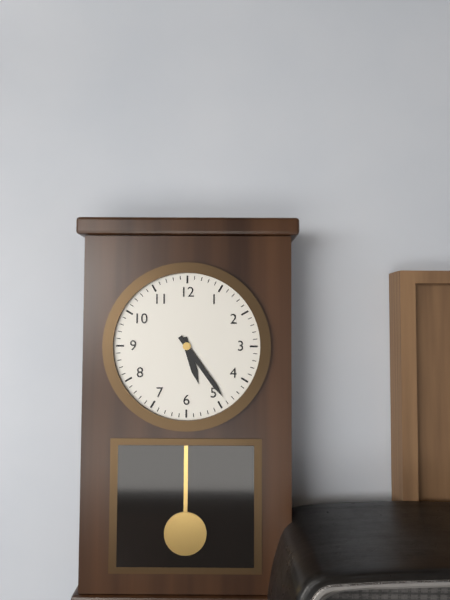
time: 5:24
